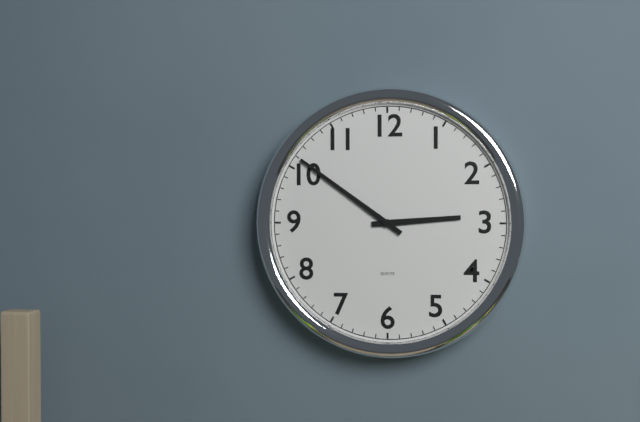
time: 2:51
